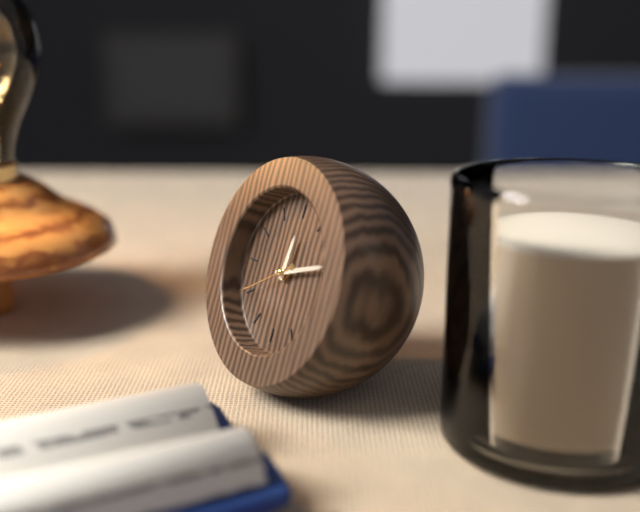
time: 12:12:40
